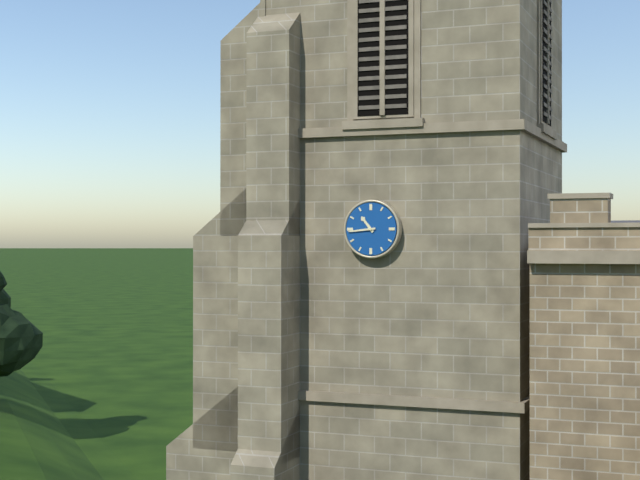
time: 10:44
